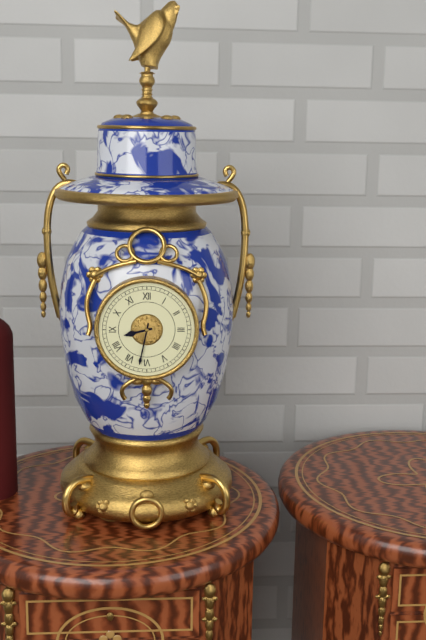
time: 8:32
